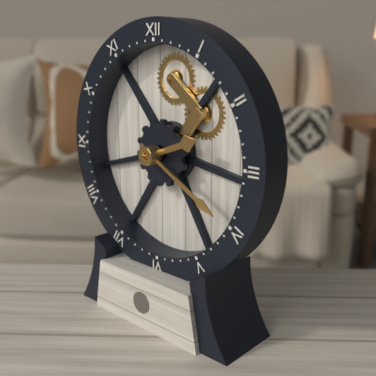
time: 2:20
